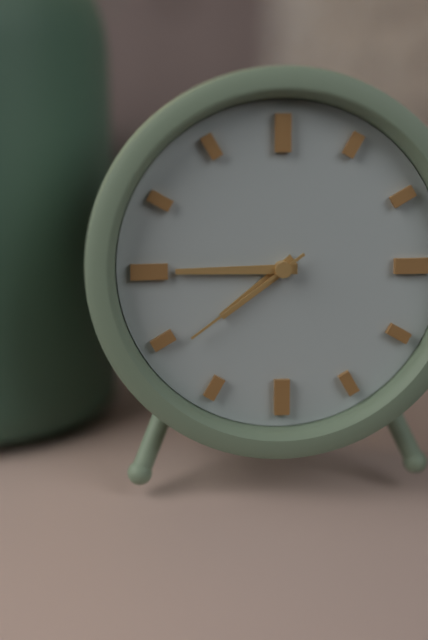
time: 7:45:39
